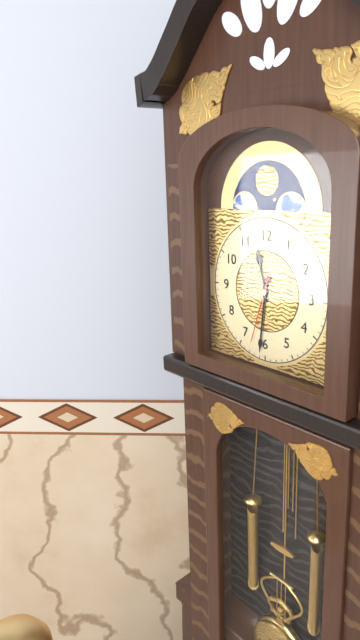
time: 11:31:33
